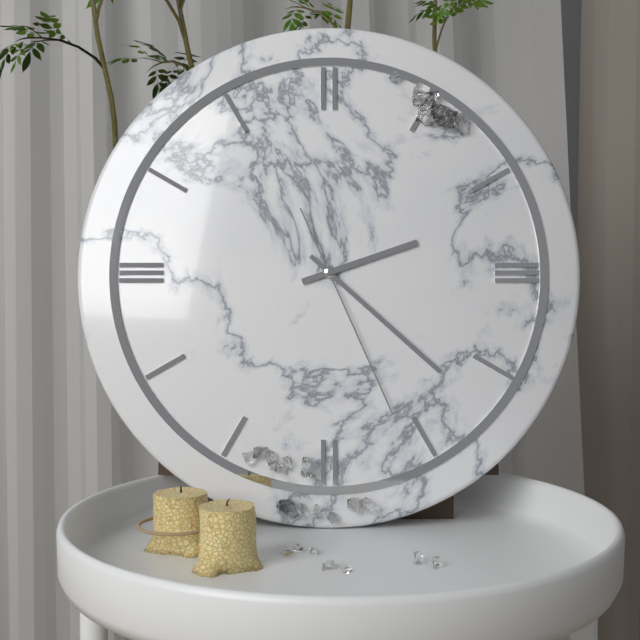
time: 2:22:26
